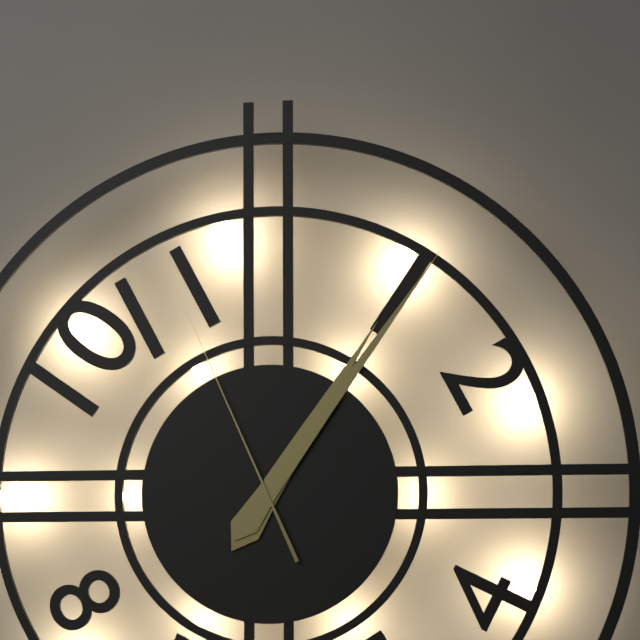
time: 1:06:56
